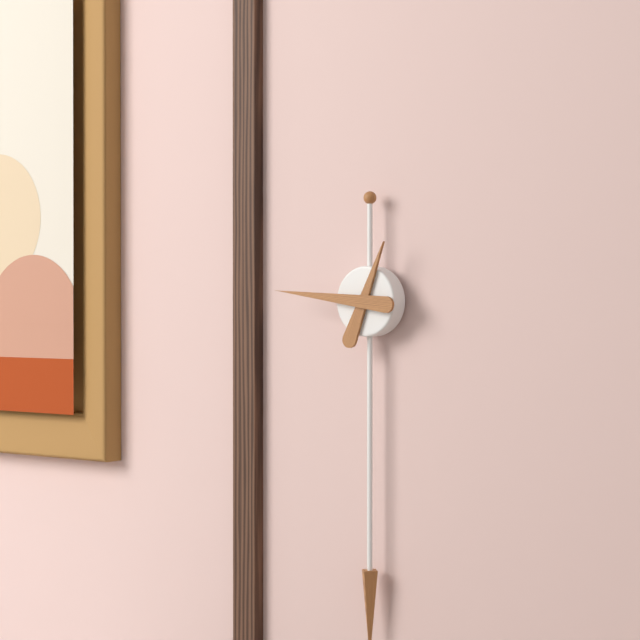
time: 12:46
